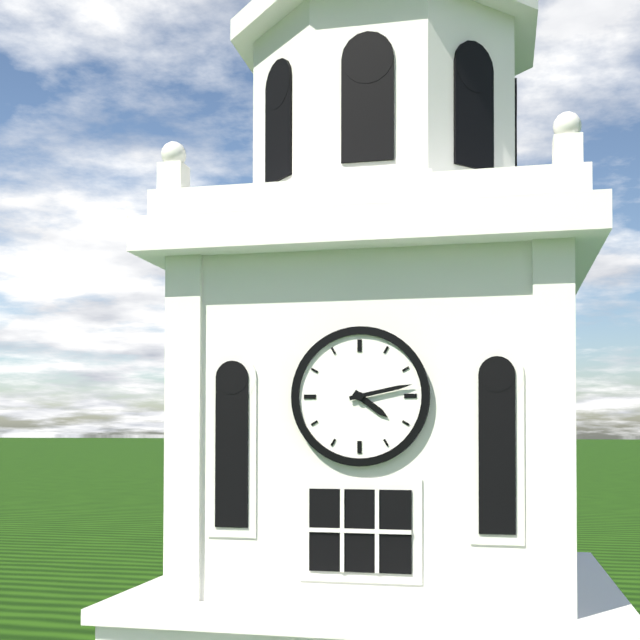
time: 4:13
